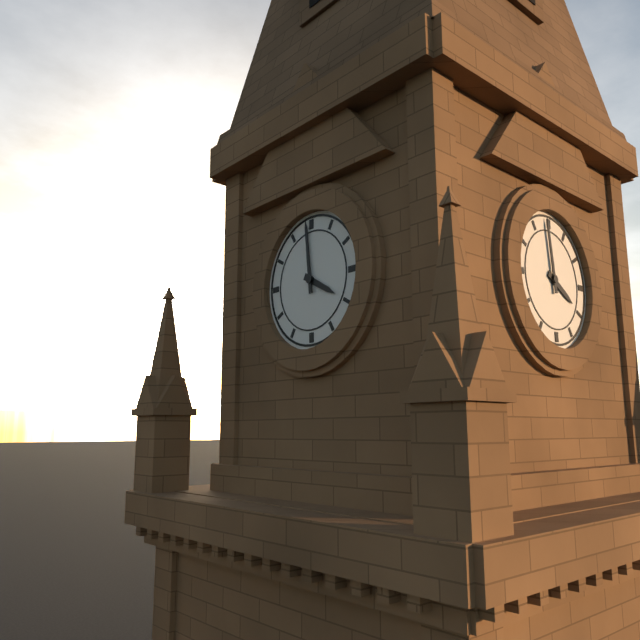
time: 3:59
